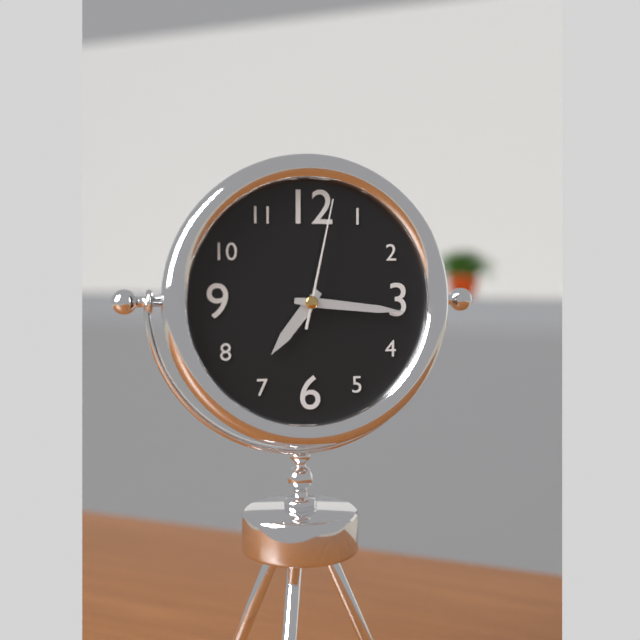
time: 7:16:02
